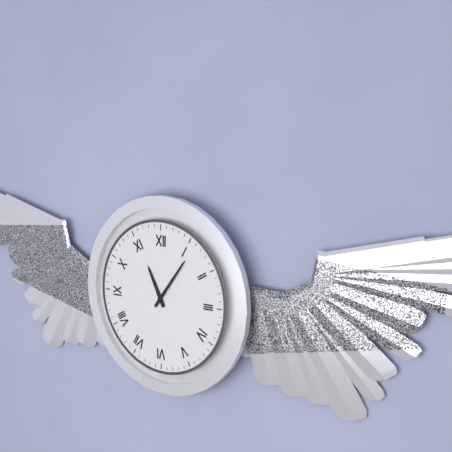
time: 11:06
